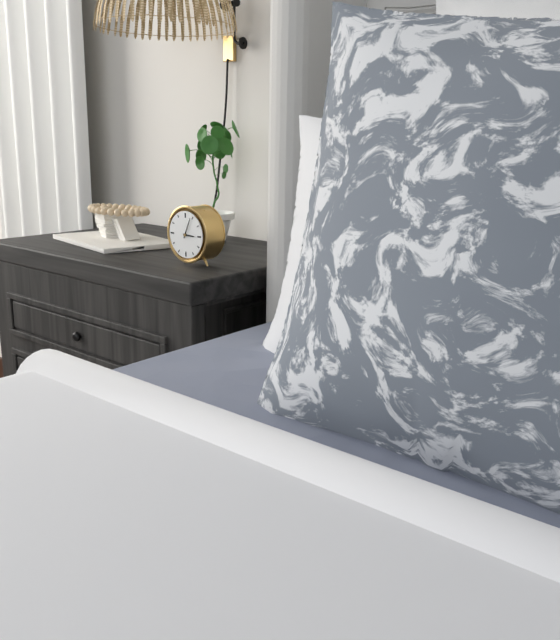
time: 3:04
